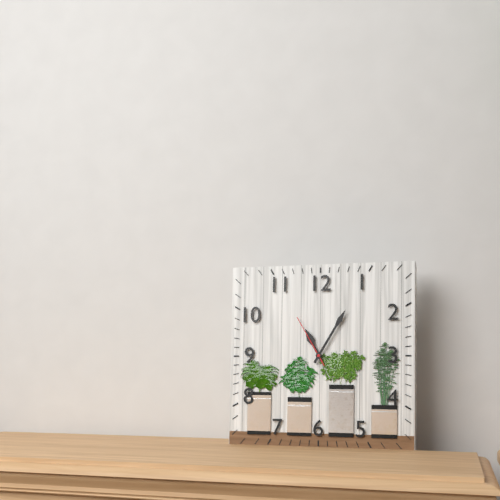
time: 11:05:55
